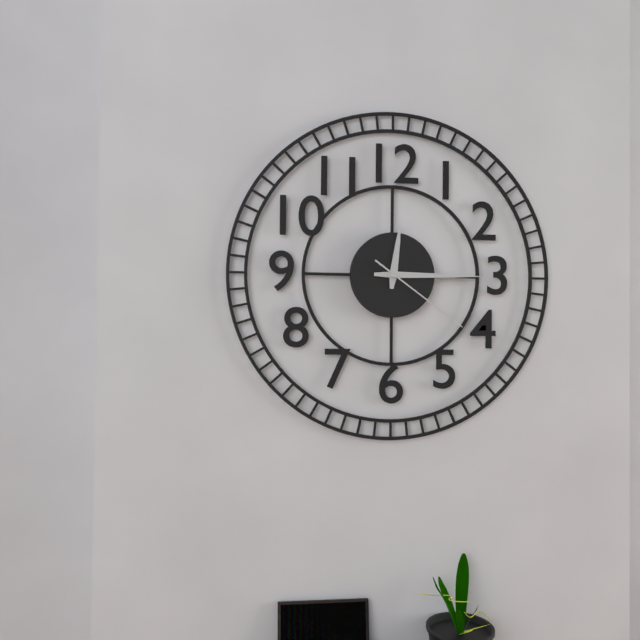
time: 12:15:21
